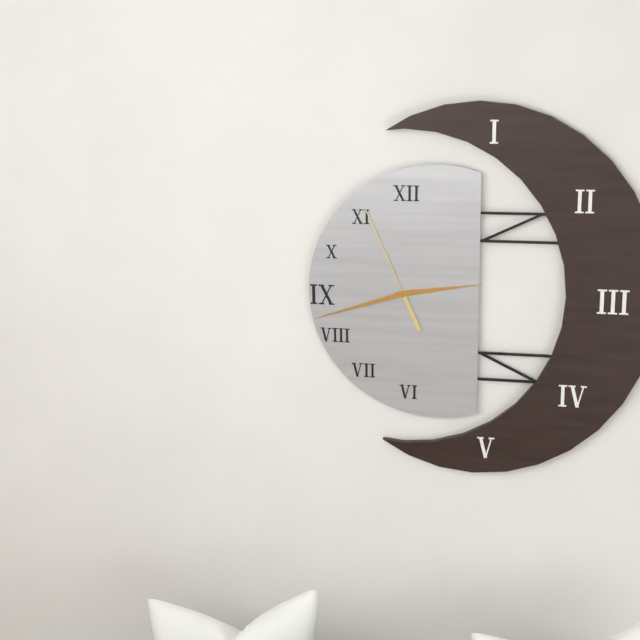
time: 2:42:56
